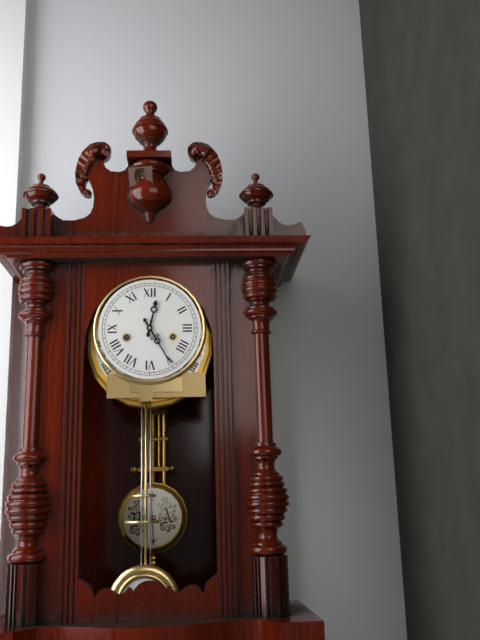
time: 12:25
